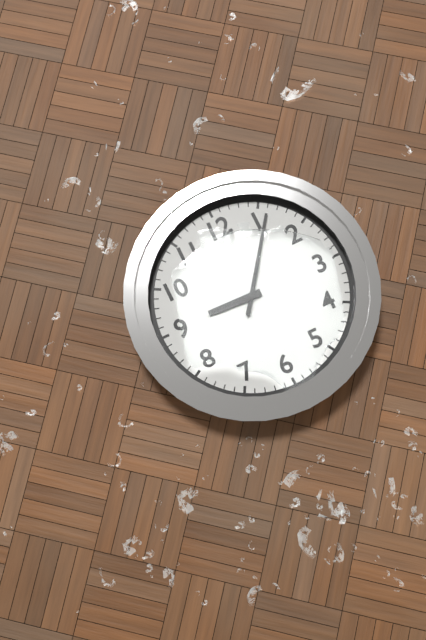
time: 9:06
